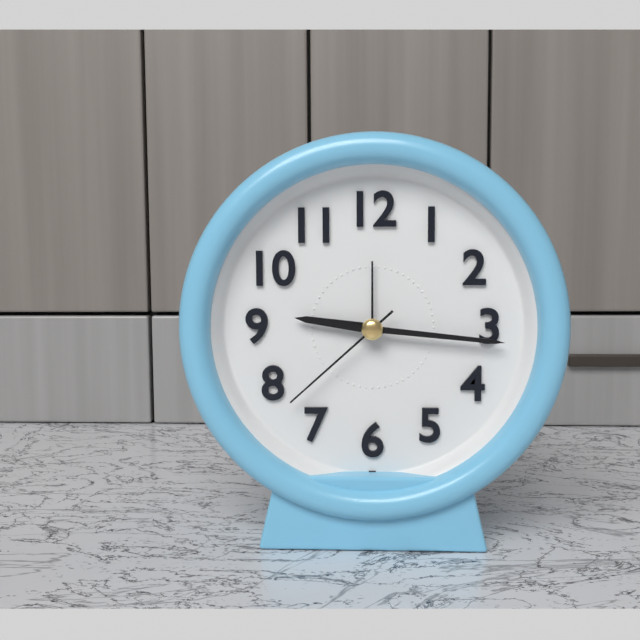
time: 9:16:38
